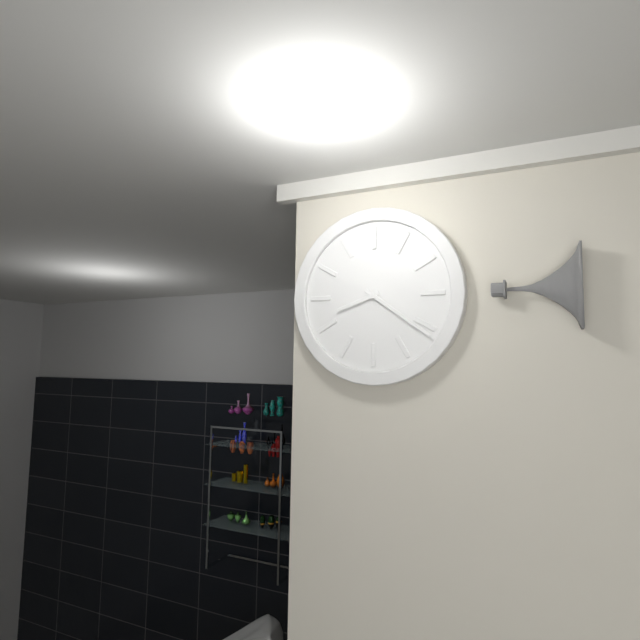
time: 8:21
